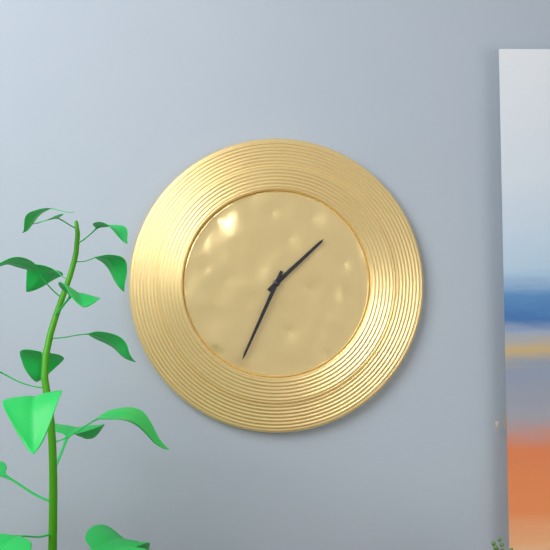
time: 1:34
